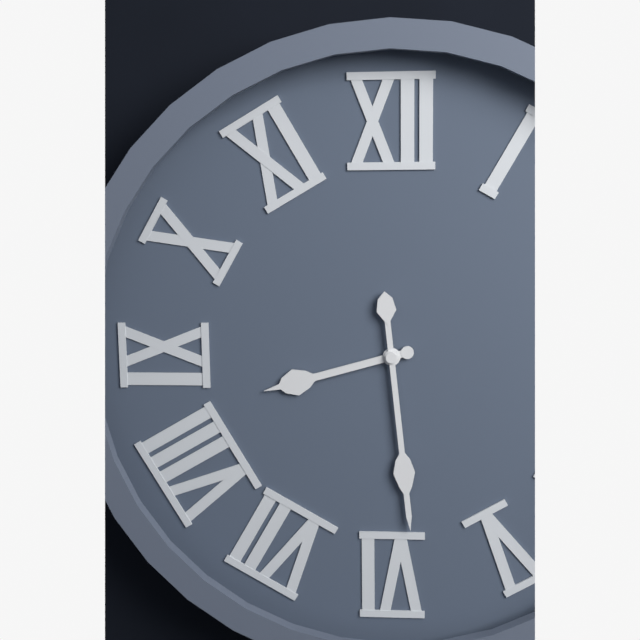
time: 8:29
